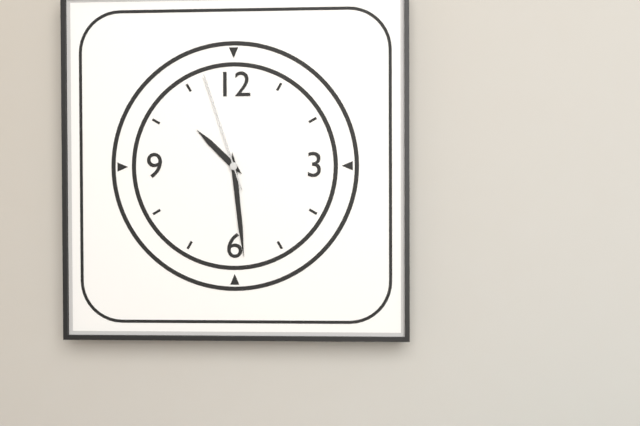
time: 10:29:57
